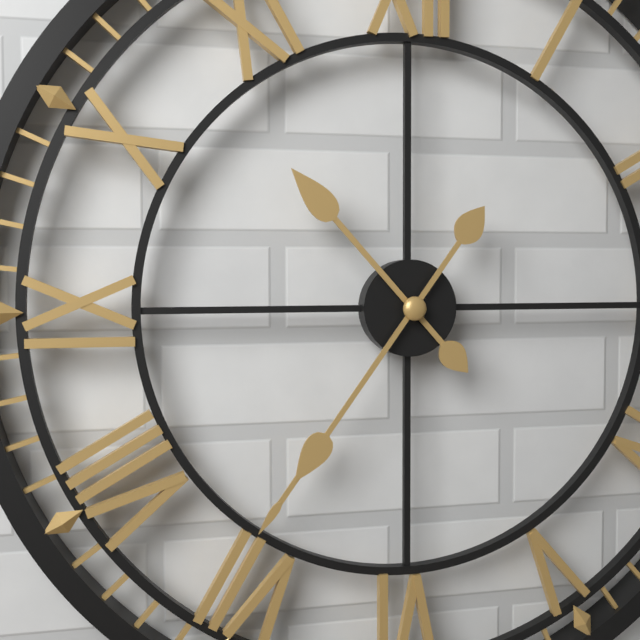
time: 10:36
